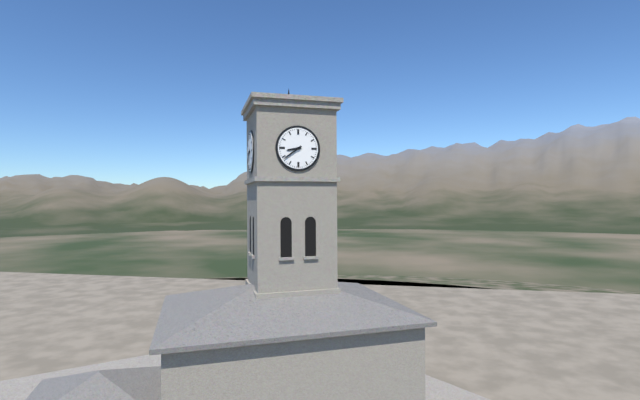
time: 8:39
